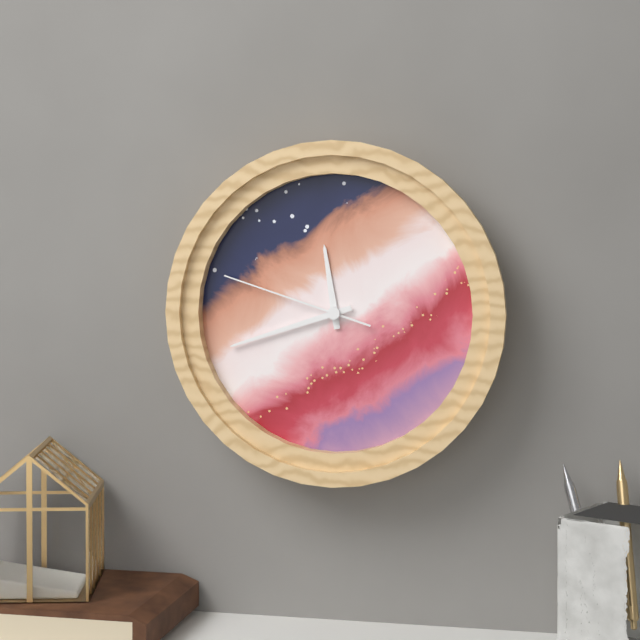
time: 11:42:48
